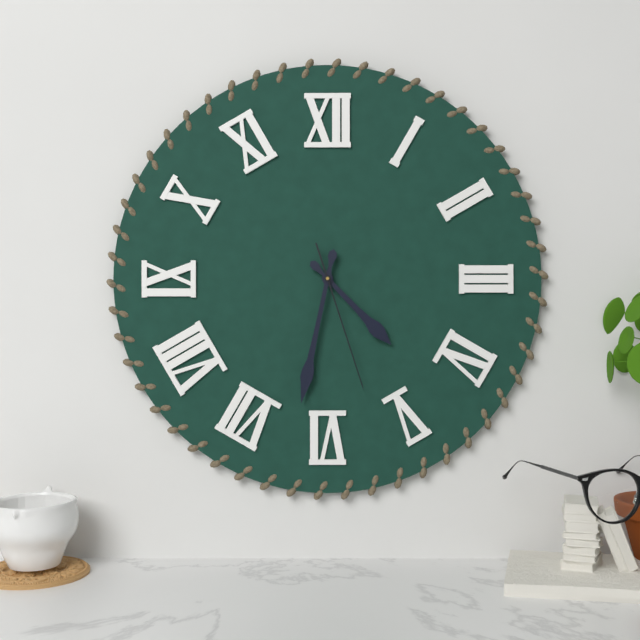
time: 4:32:27
